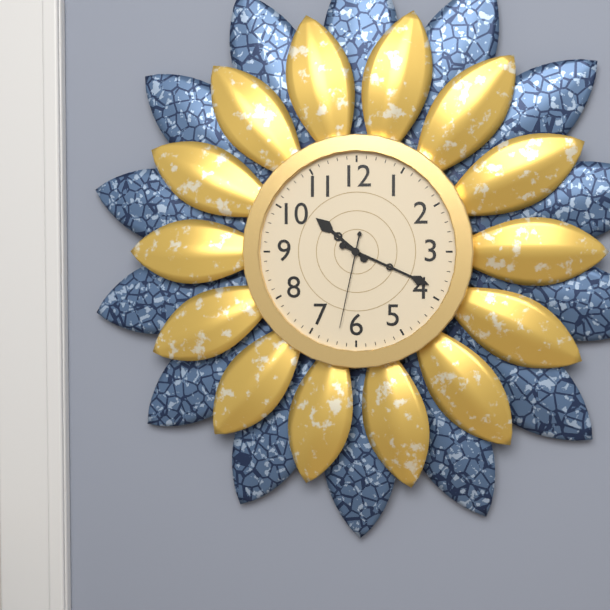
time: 10:19:32
